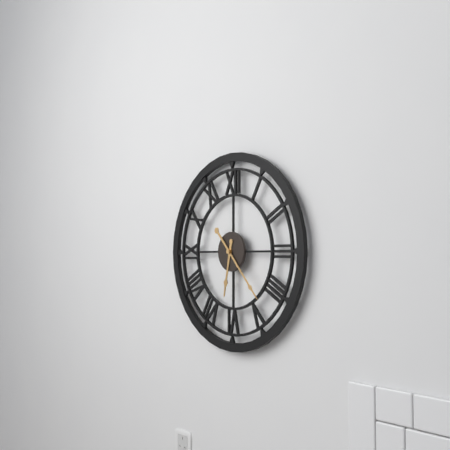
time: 6:23
